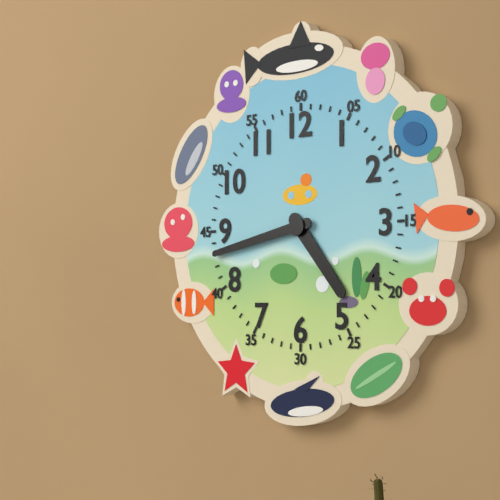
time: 4:43
